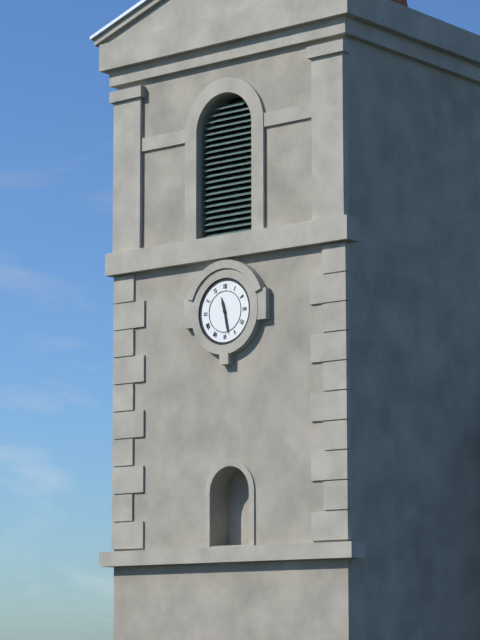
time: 11:28
